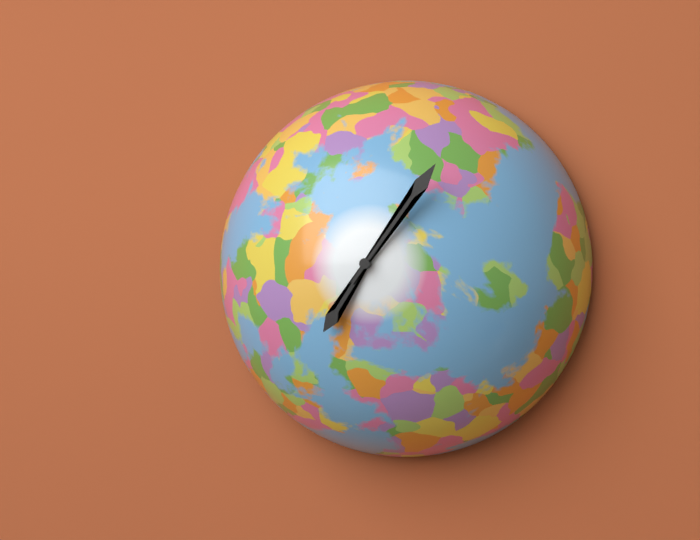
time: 7:06
